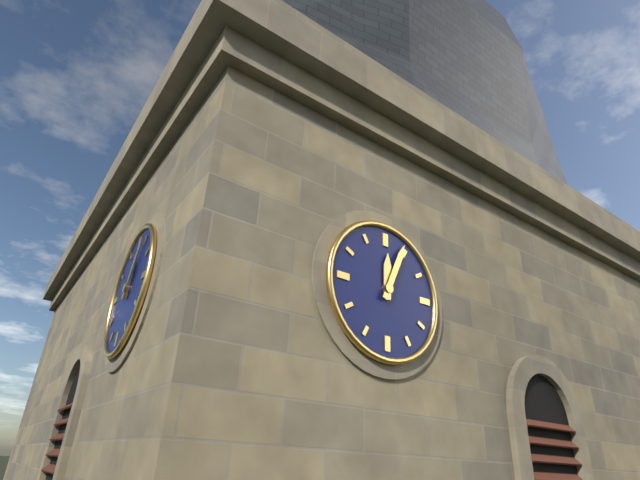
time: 12:04
